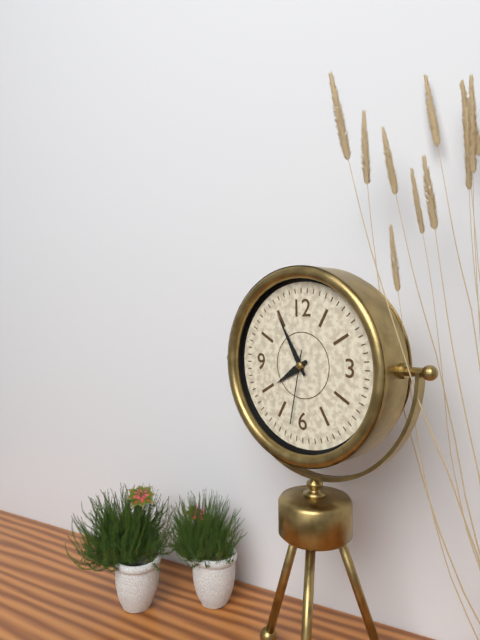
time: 7:55:32
